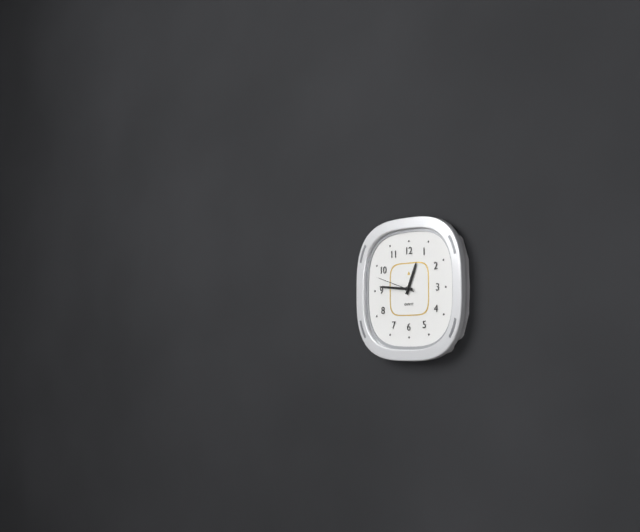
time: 12:46
